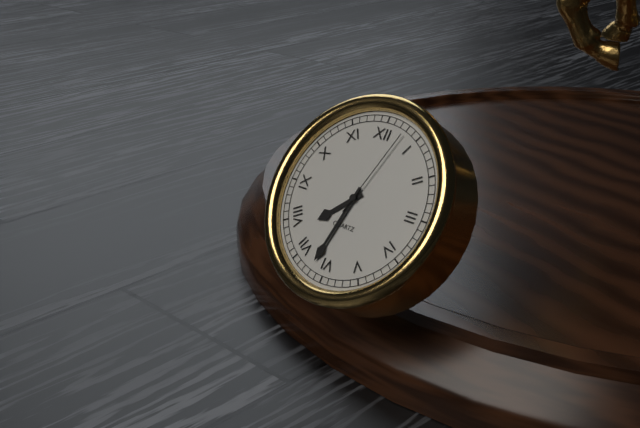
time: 7:32:03
